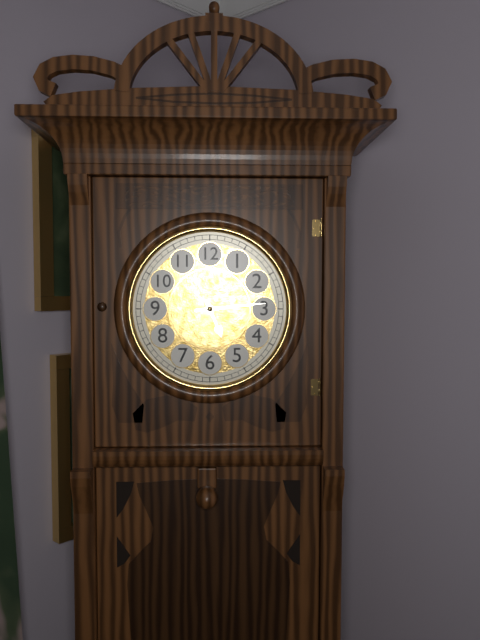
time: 5:14
